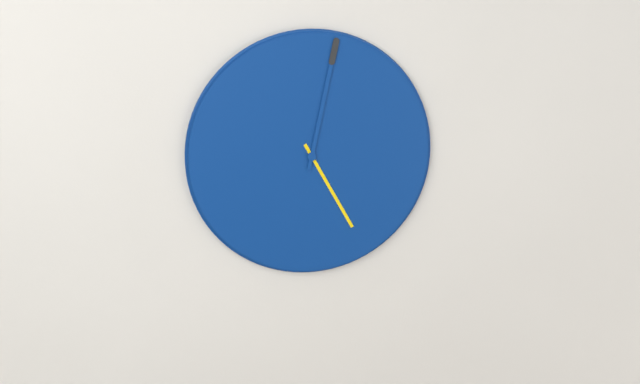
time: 5:02
